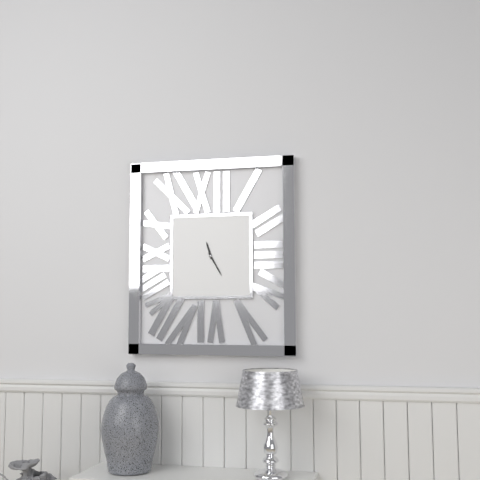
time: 11:25
